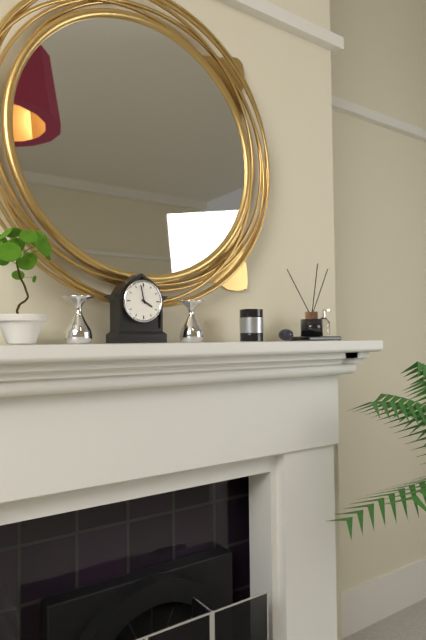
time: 3:58
